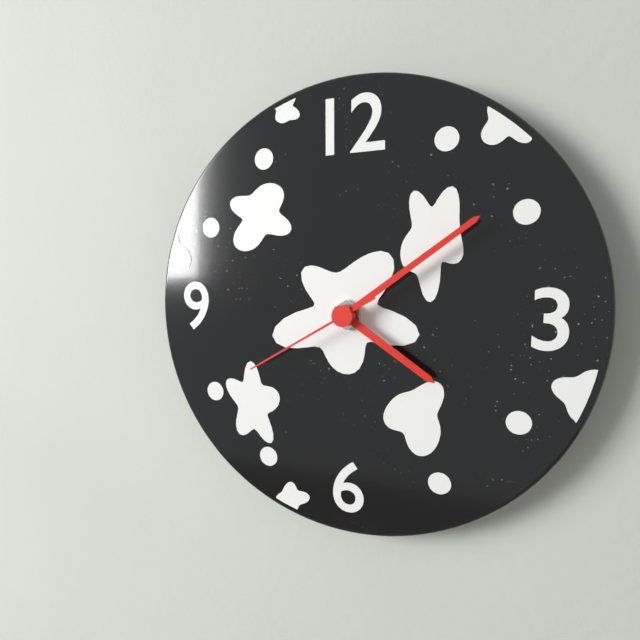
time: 4:09:40
